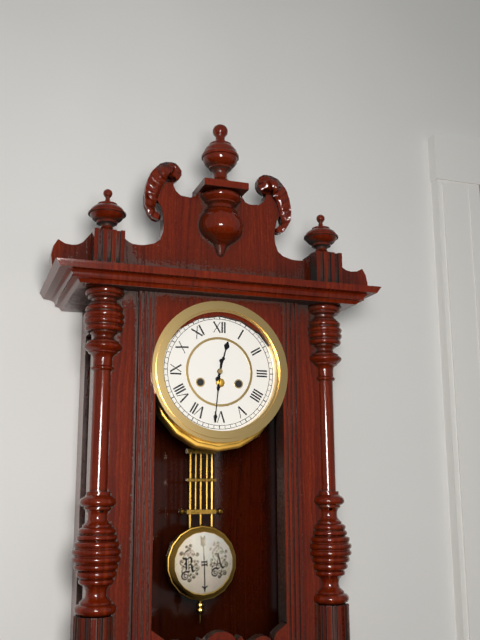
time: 12:31
